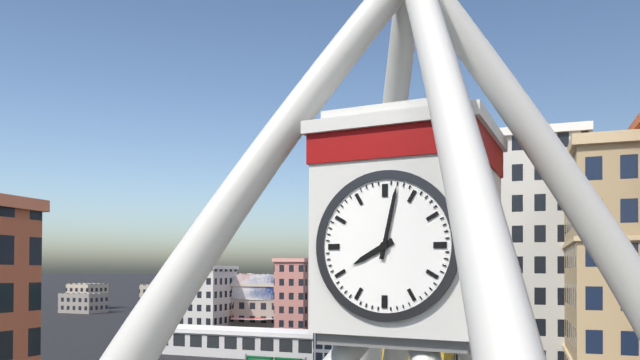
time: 8:02
